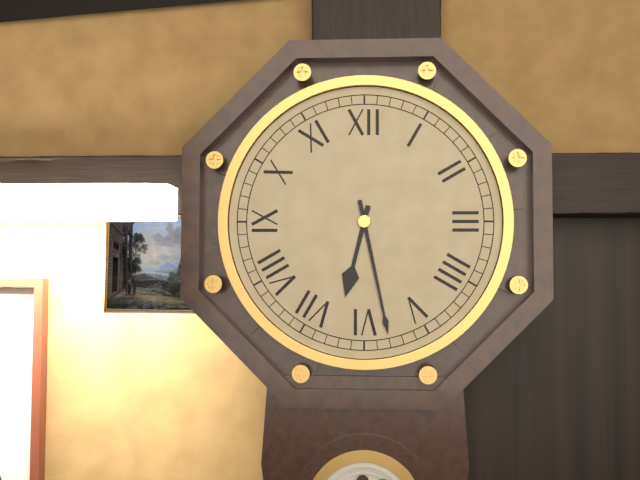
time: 6:28
